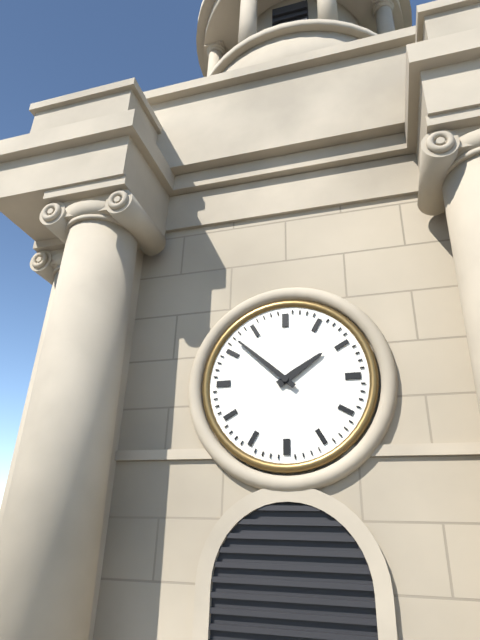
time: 1:52
